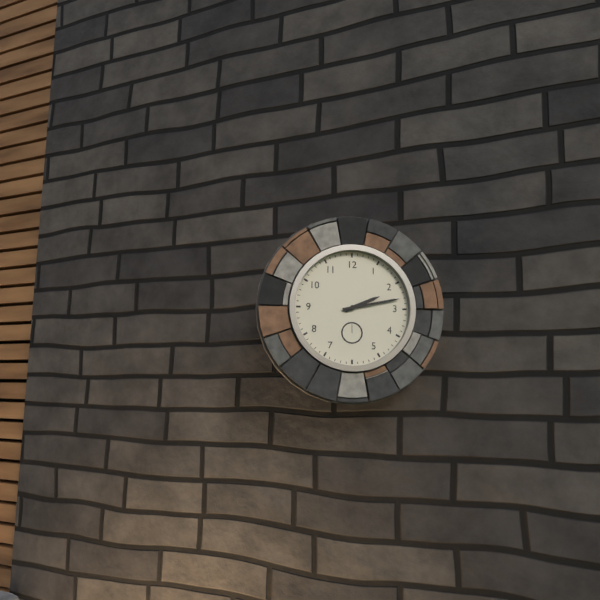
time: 2:13
